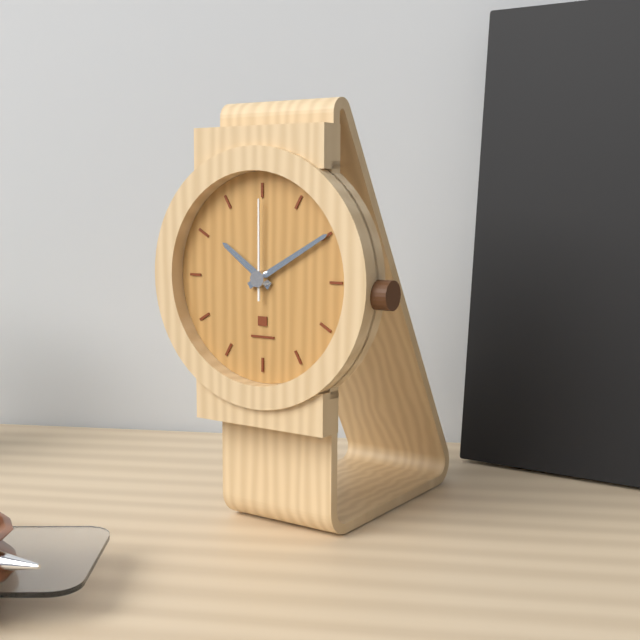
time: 10:10:00
